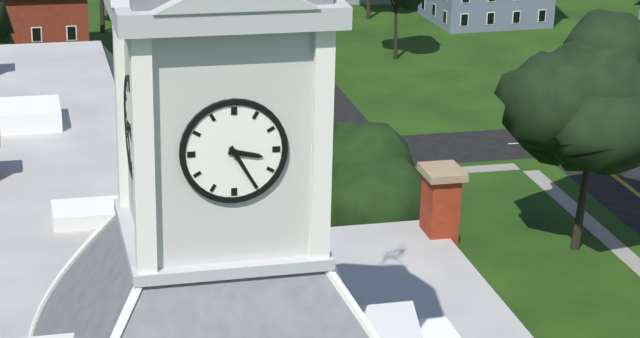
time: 3:25
